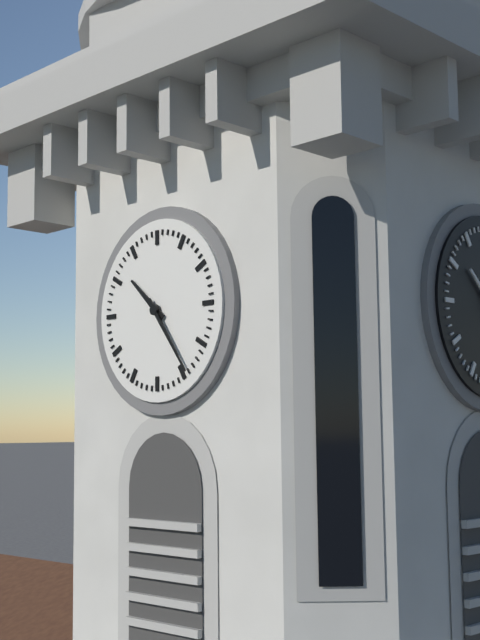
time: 10:24
